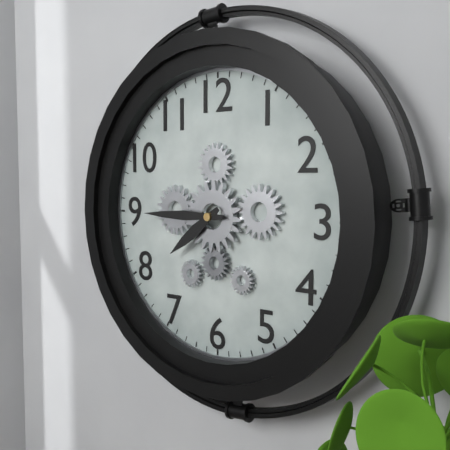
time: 7:45
